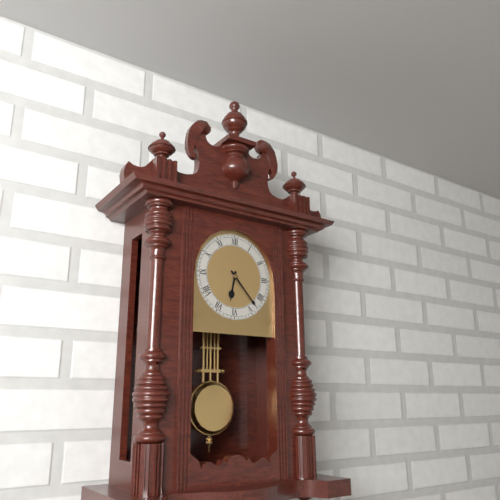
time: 6:23
